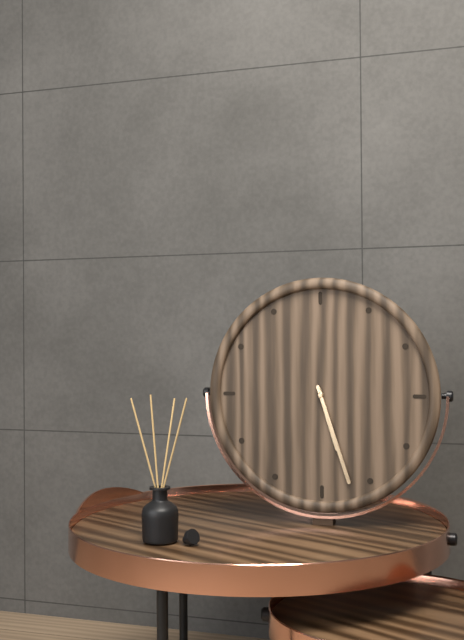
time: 5:27
